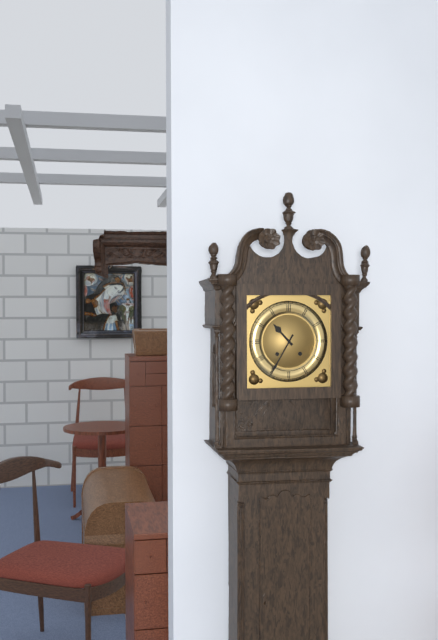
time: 10:35
